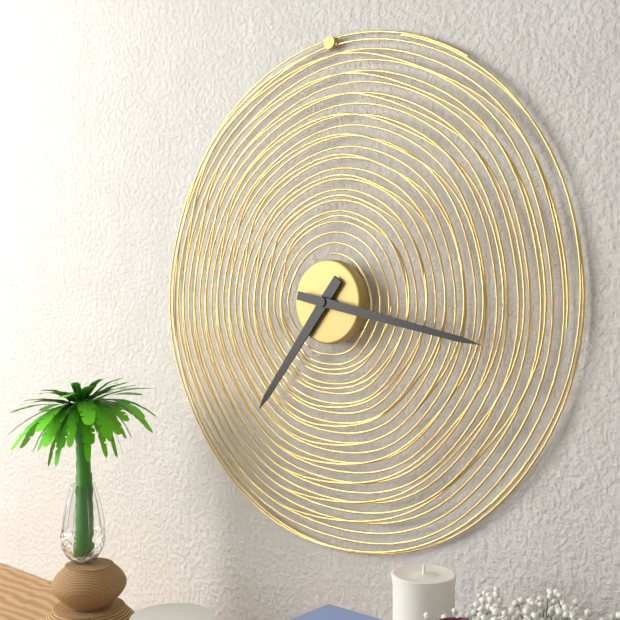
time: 7:17
